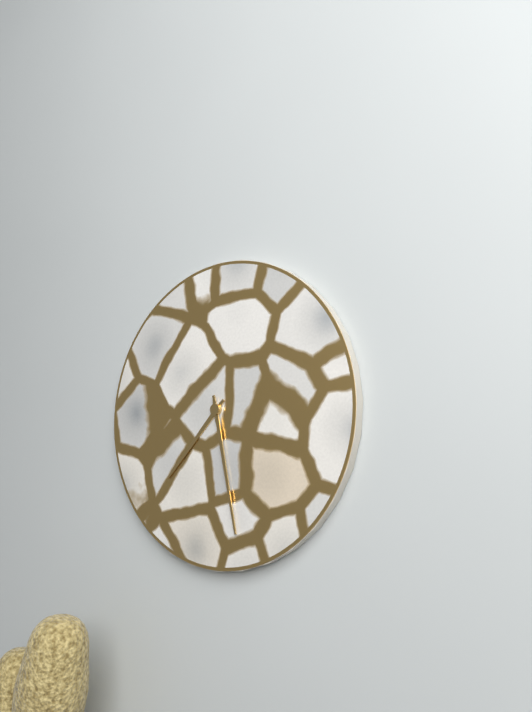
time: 7:28
